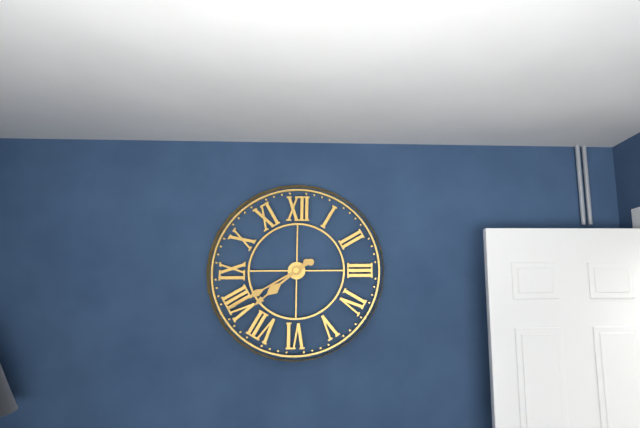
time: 7:40
